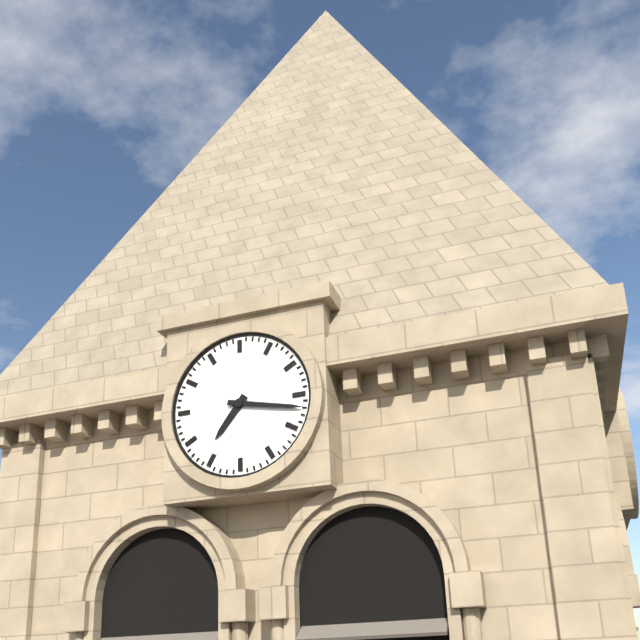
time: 7:17
